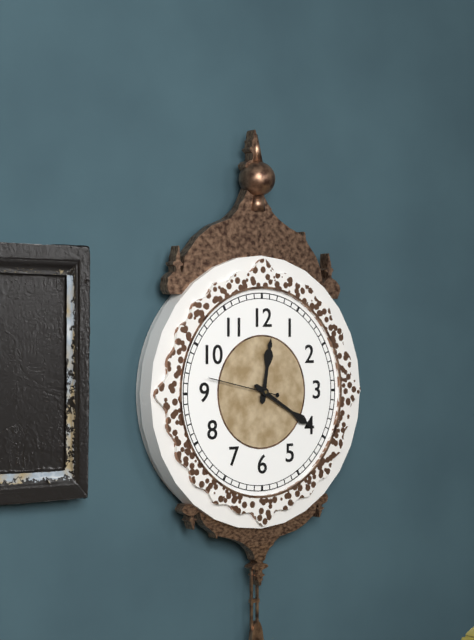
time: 12:20:47
